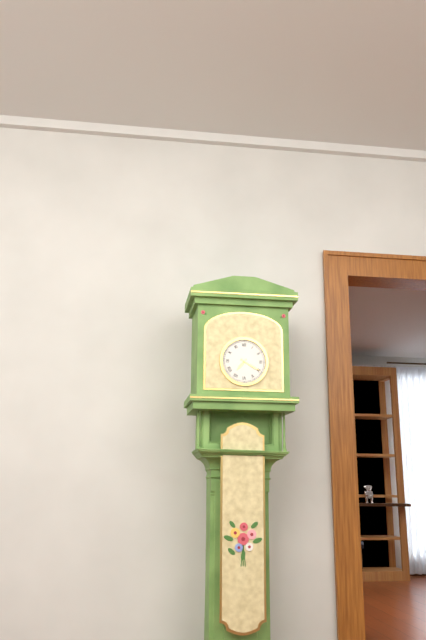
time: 7:20
